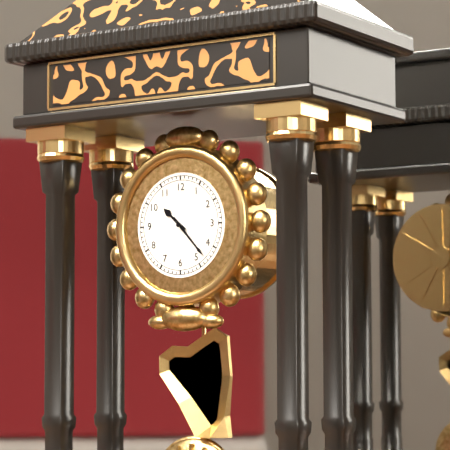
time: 10:23
